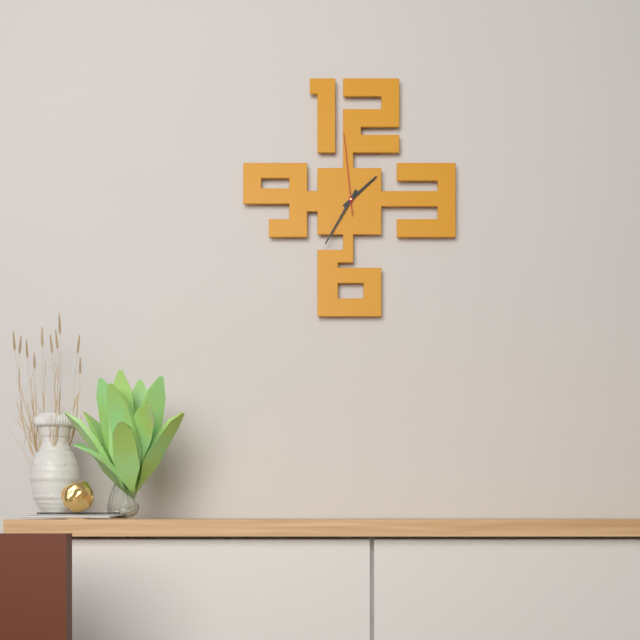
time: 1:35:59
